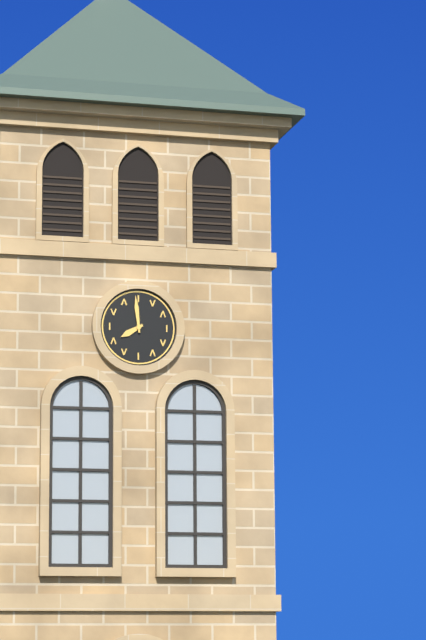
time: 7:59
